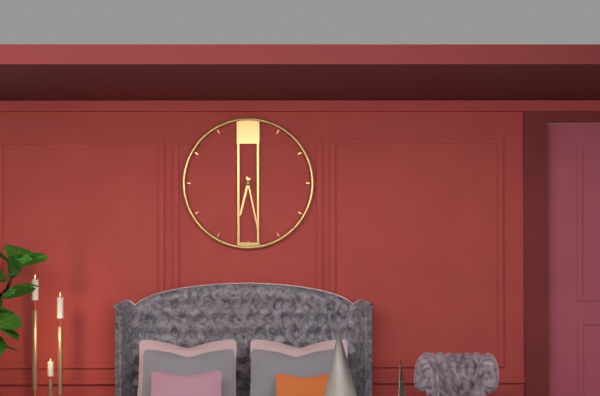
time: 6:28
